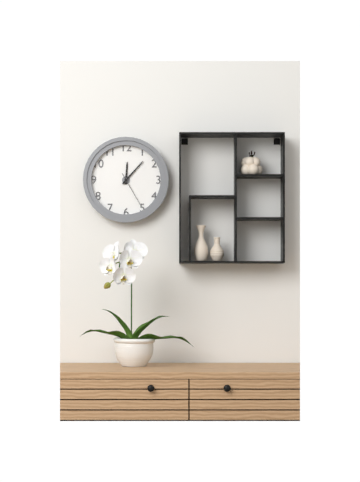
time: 12:07
